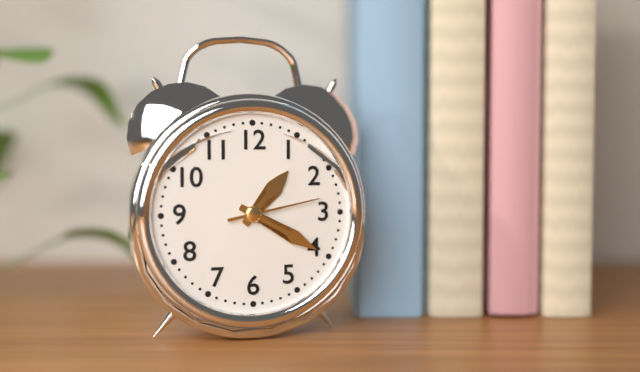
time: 1:20:13
